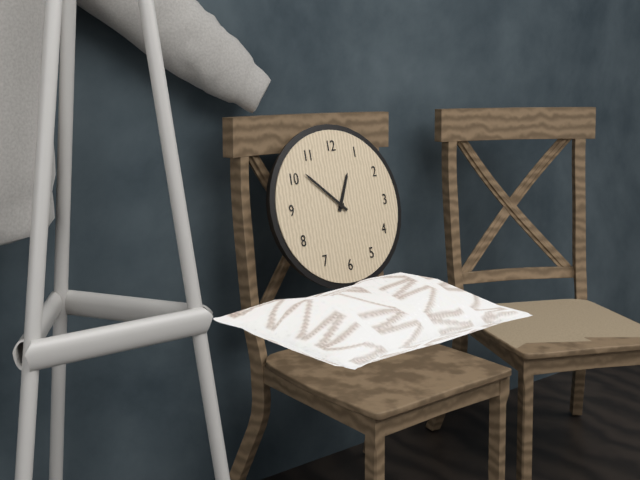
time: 12:52
